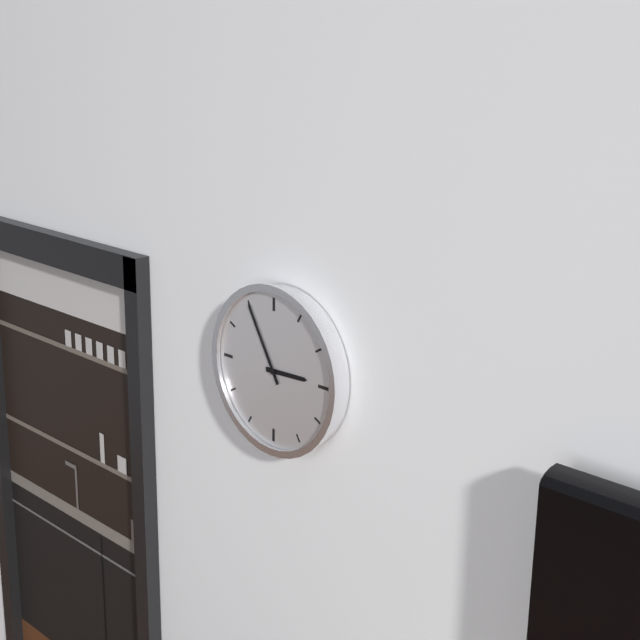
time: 2:55
